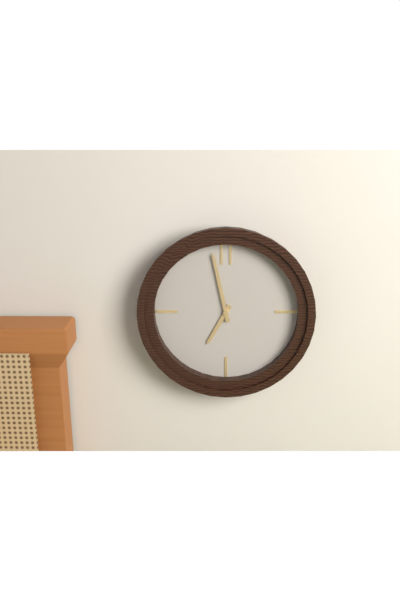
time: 6:58
